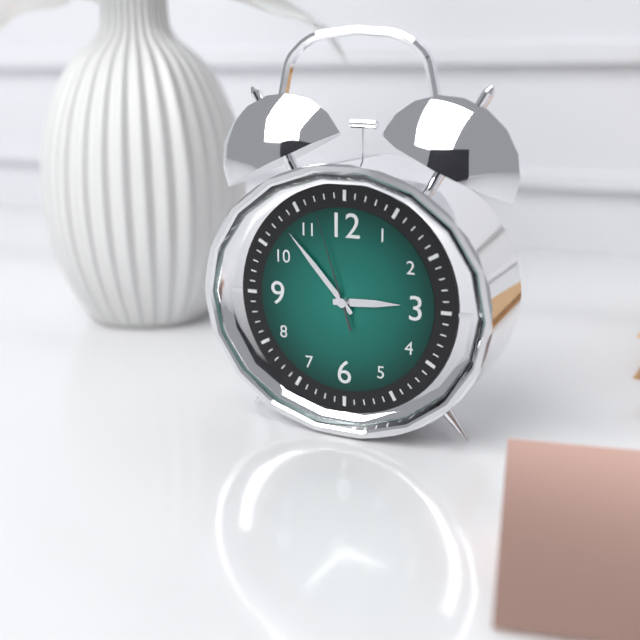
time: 2:53:57
